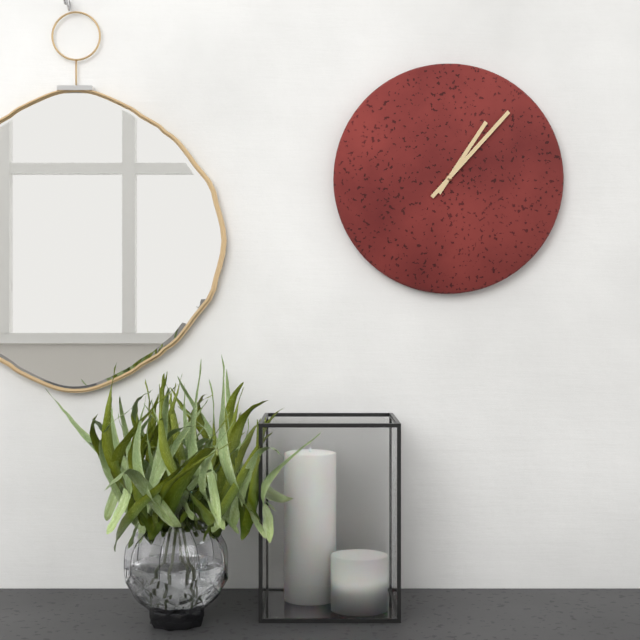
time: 1:07
